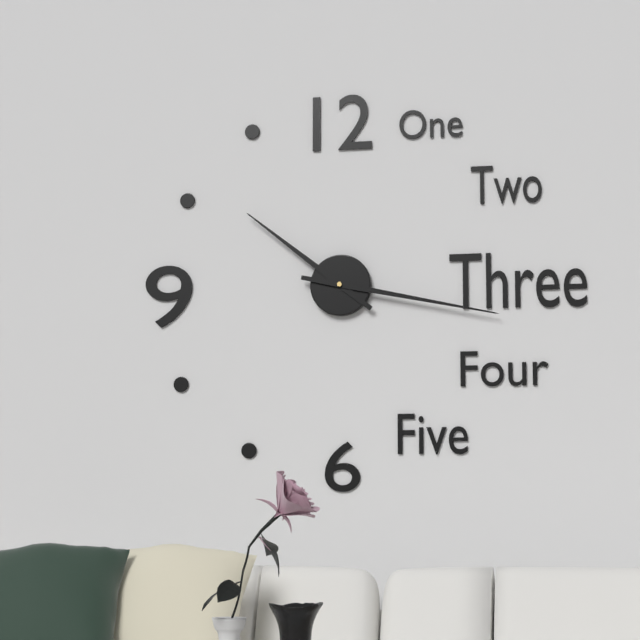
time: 10:17
